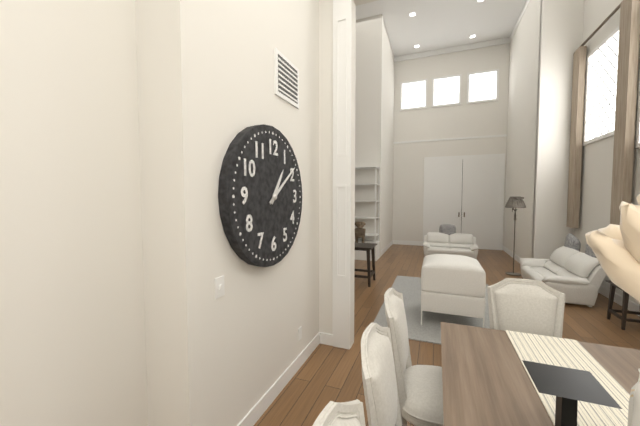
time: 1:09
